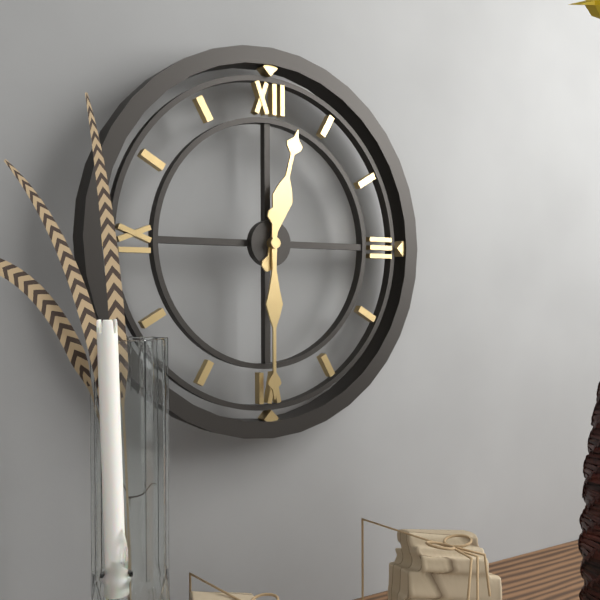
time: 12:30
